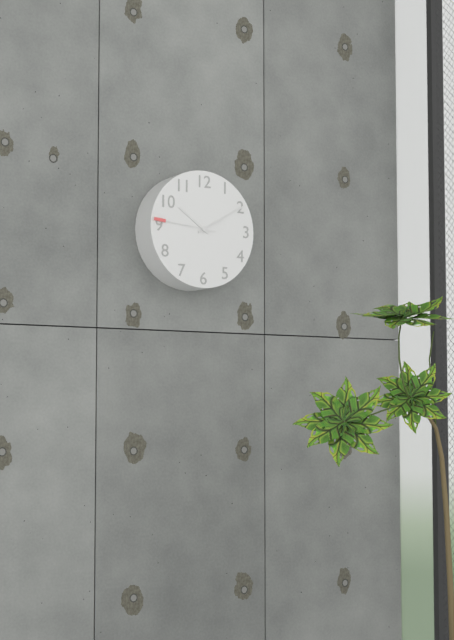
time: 10:10:46
